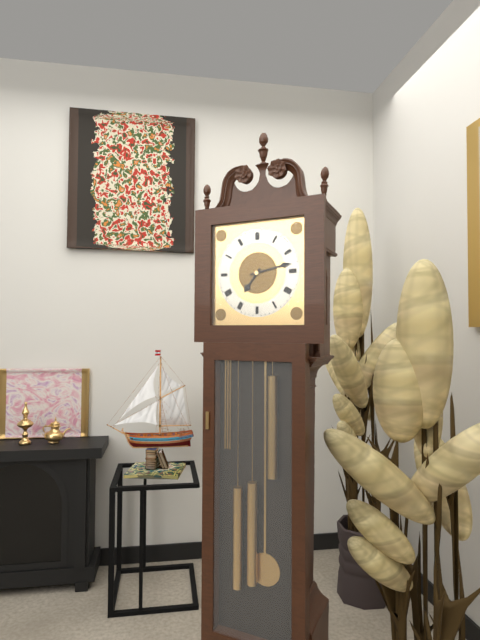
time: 7:13
